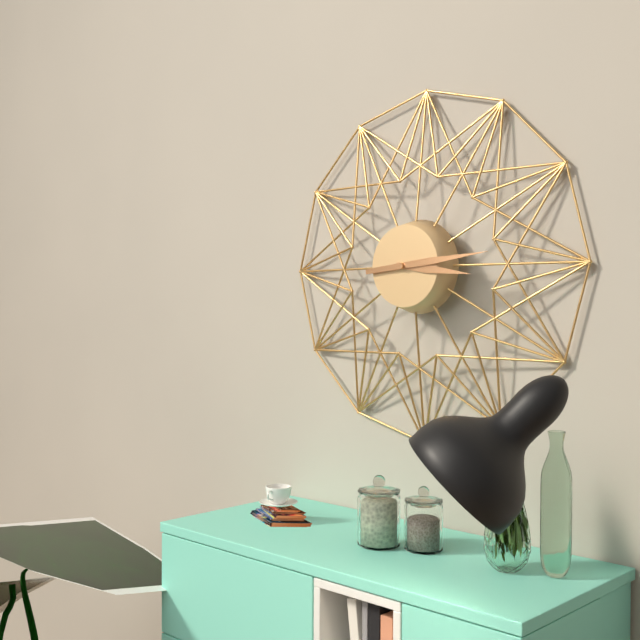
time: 3:14
